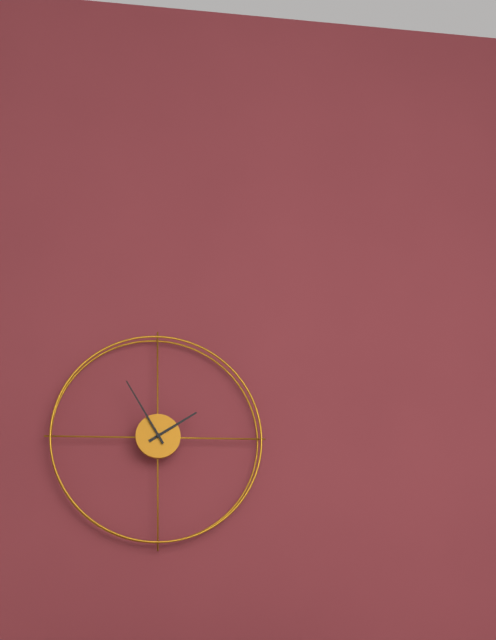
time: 1:55
